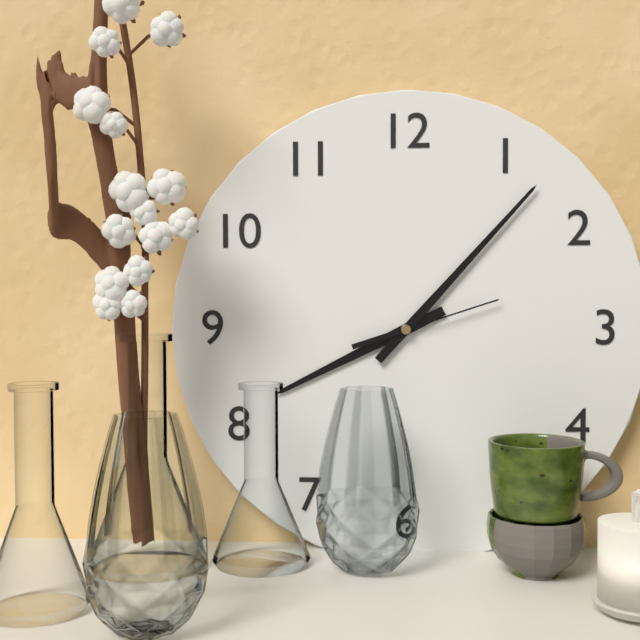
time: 8:07:12
